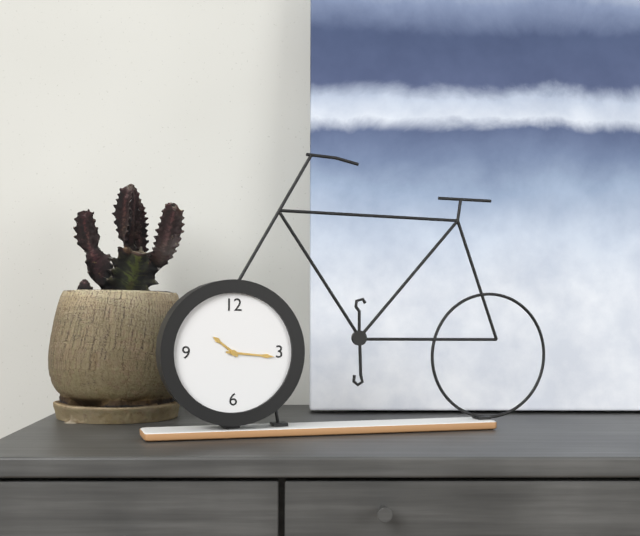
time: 10:16
